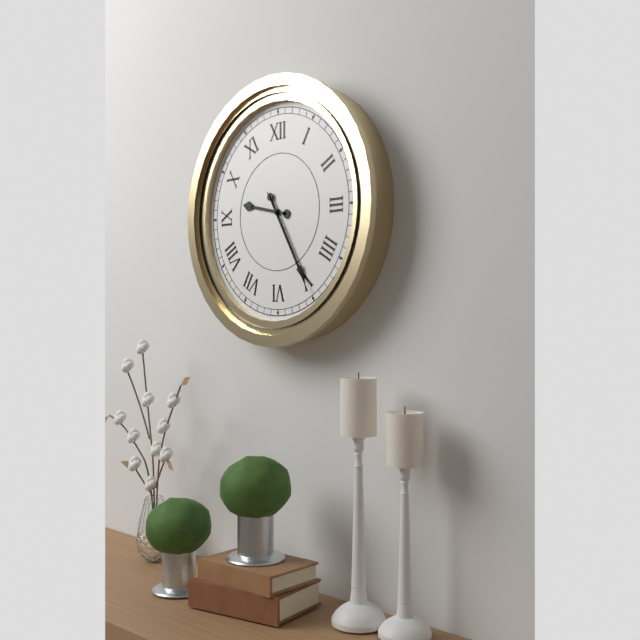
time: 9:25:25
